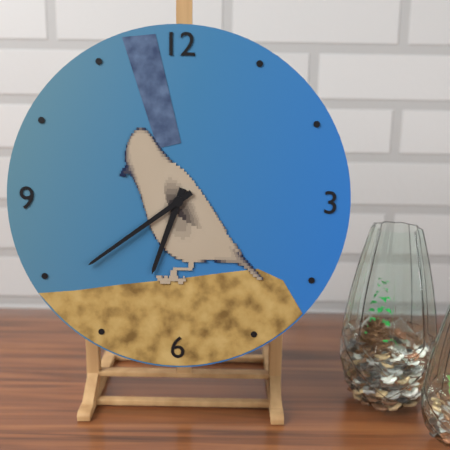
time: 6:39
